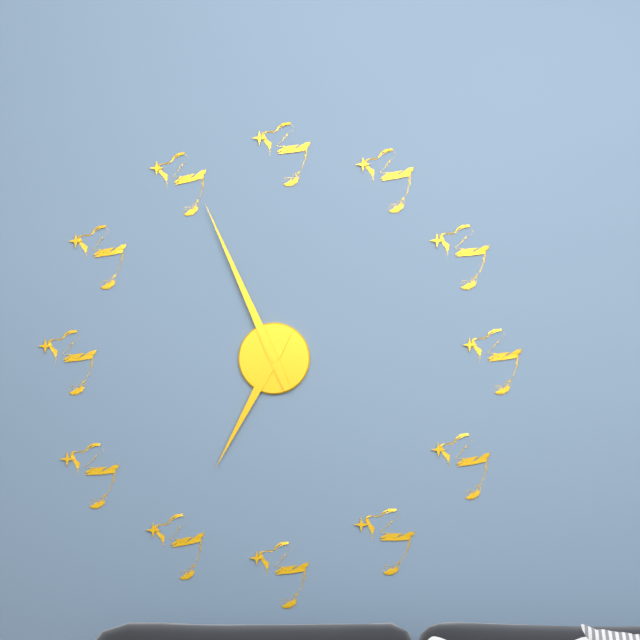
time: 6:56
